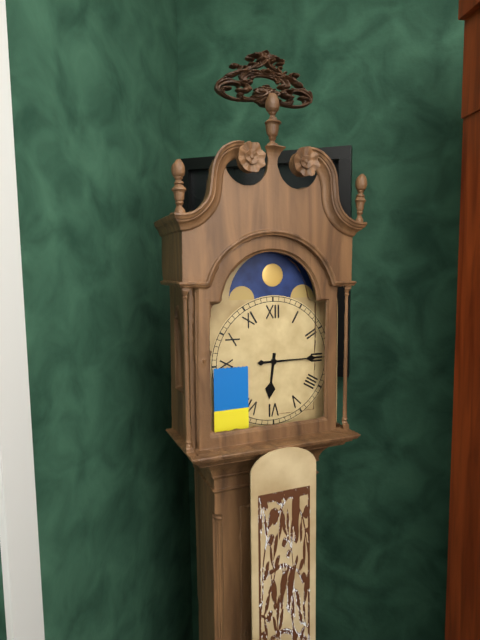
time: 6:15
